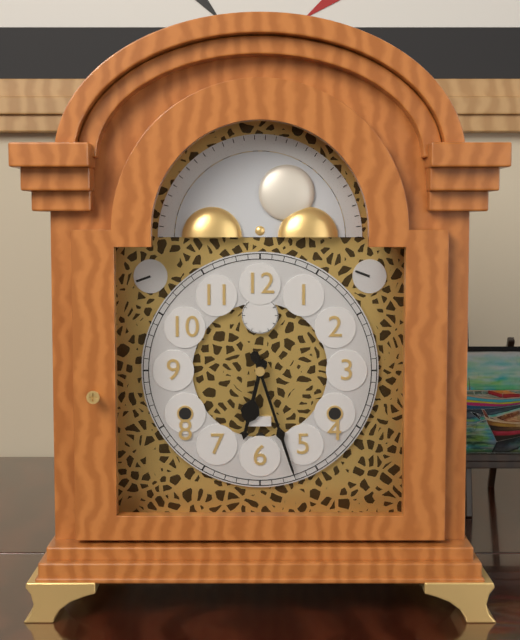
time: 6:27
